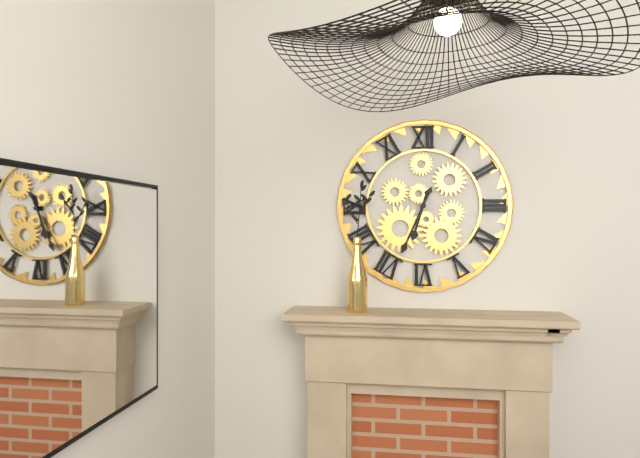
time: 6:34
